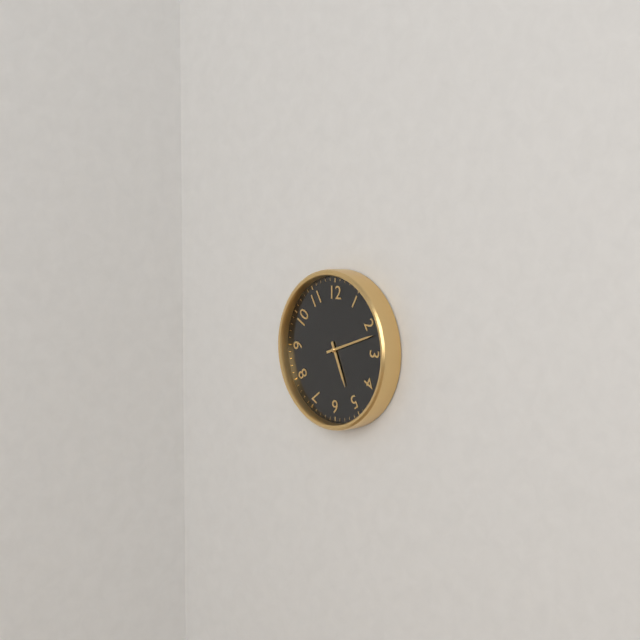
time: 5:12
